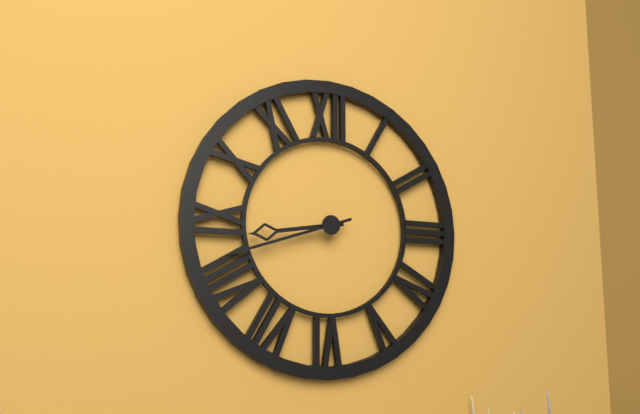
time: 8:42
